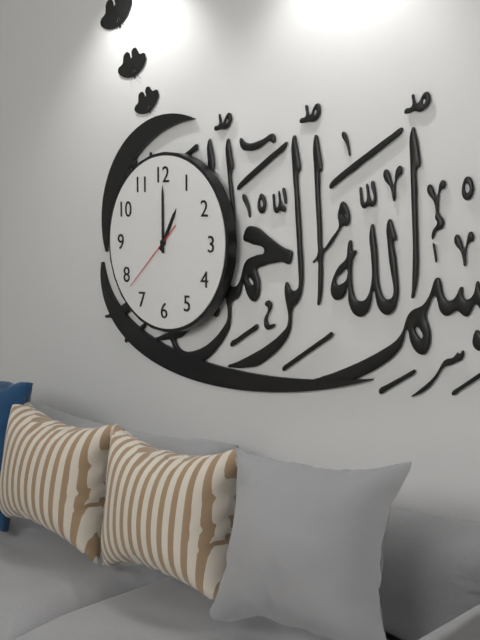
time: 1:00:38
